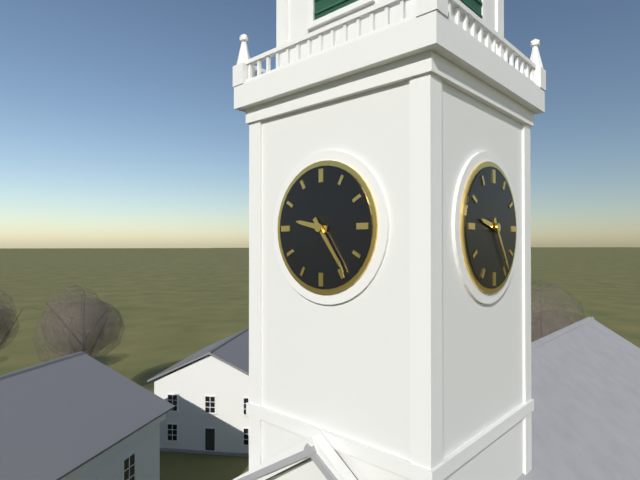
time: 9:24
